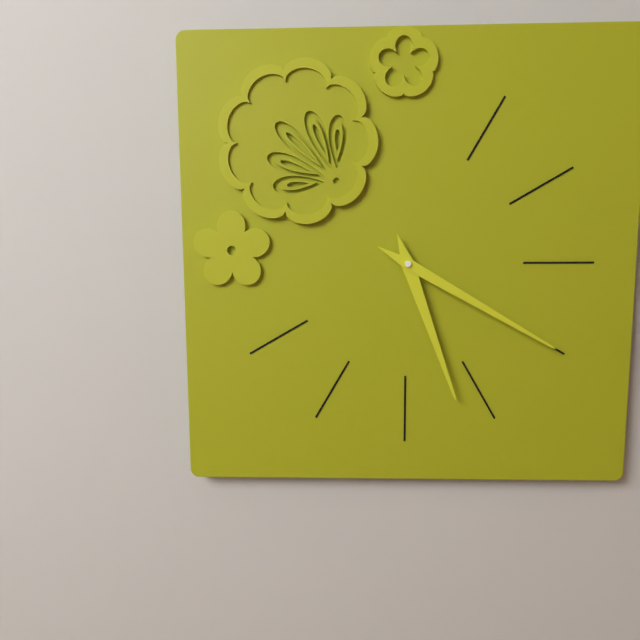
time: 5:20
